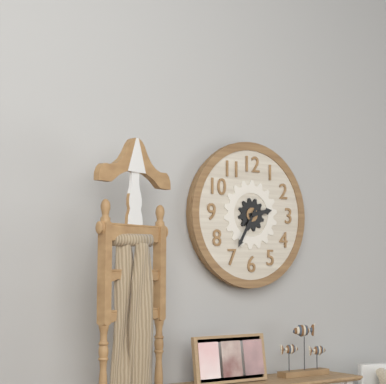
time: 2:35
